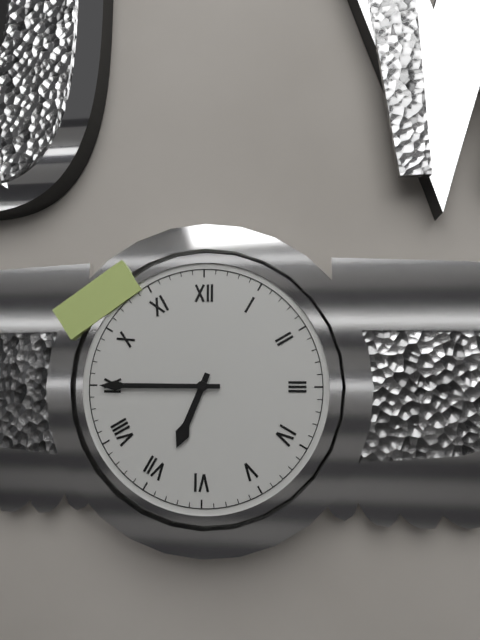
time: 6:45
